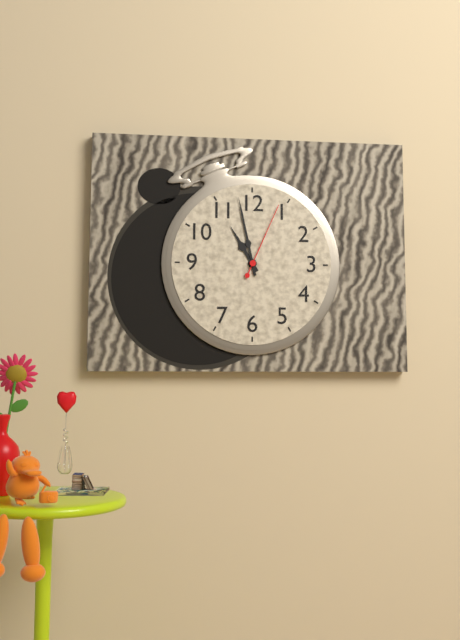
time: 10:58:04
